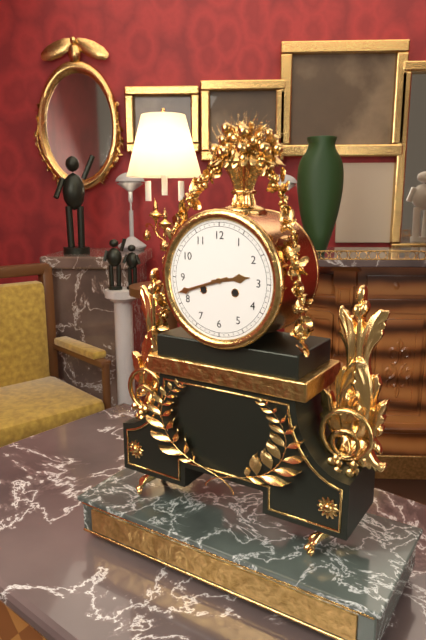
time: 2:42
